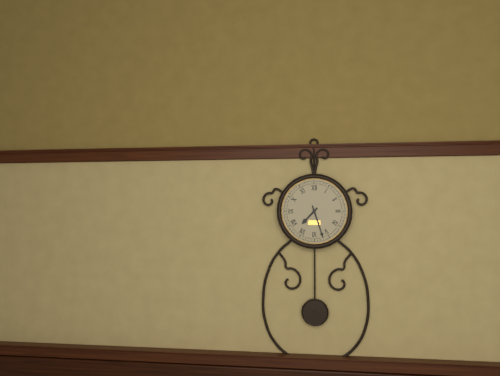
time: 7:27
